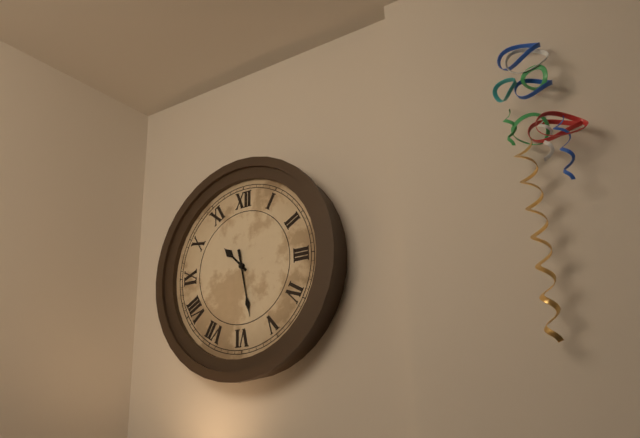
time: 10:28
